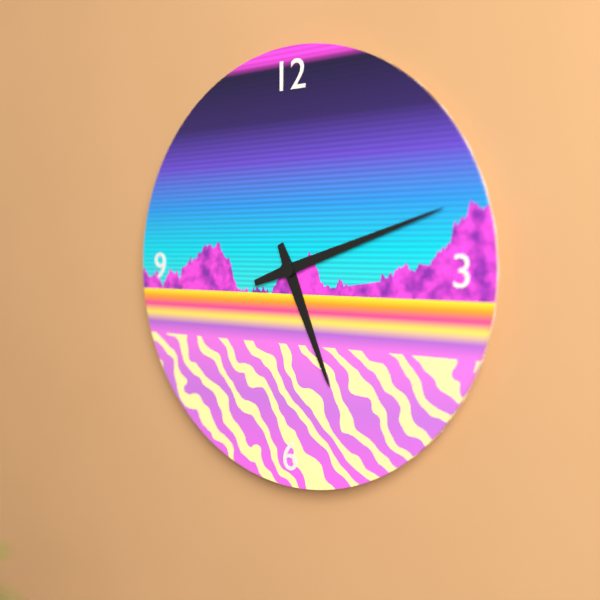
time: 5:12
